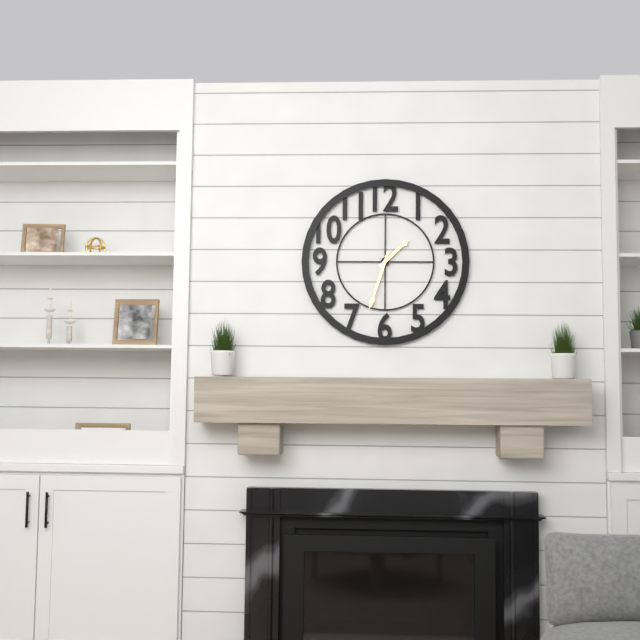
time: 1:33
